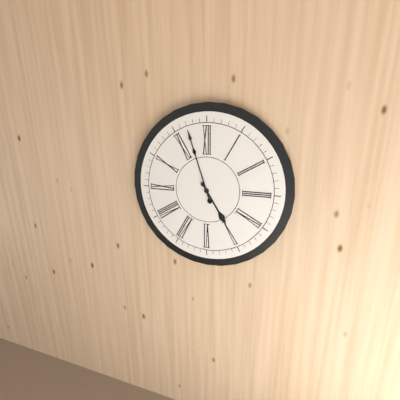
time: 4:57
